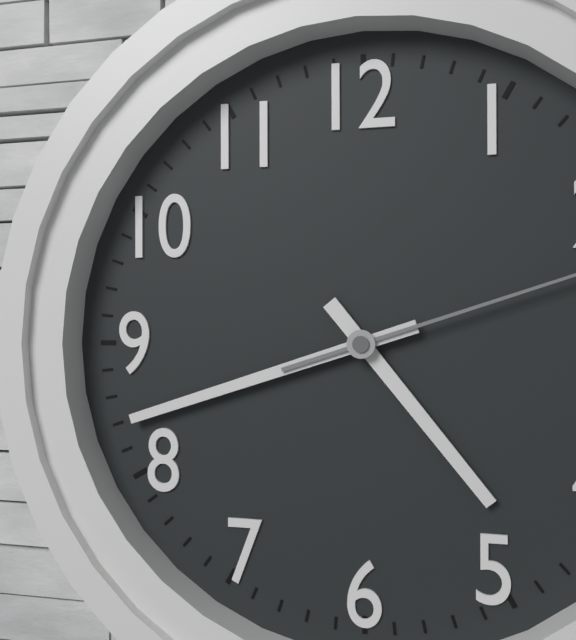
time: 4:42
